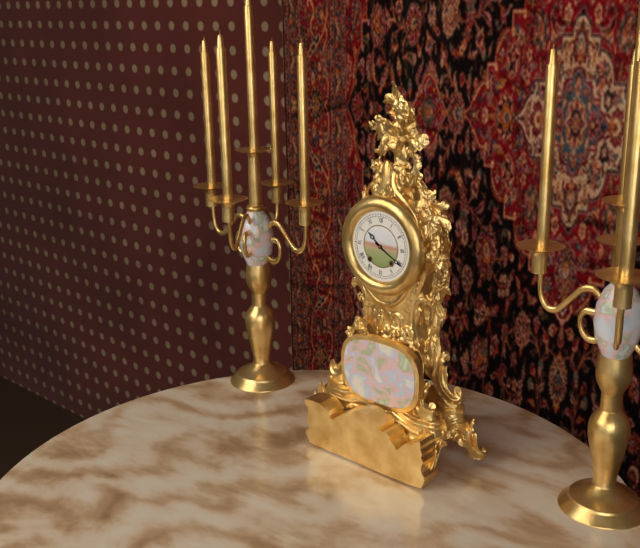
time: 10:20
